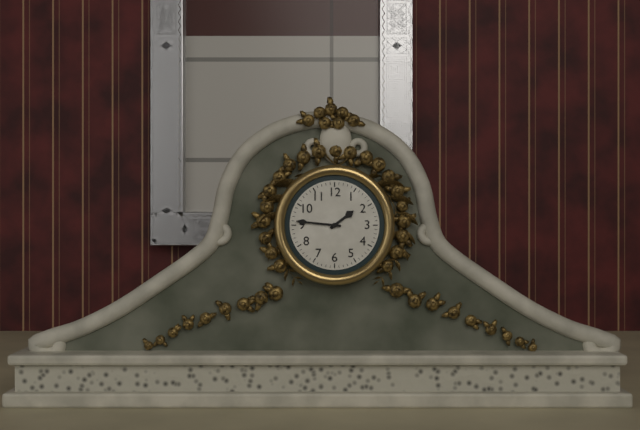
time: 1:46
